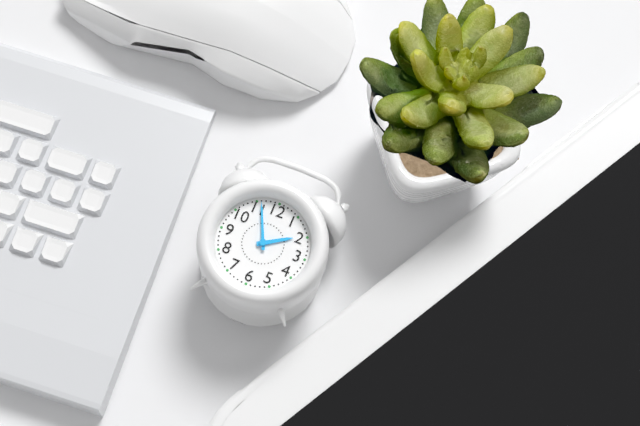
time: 1:56
